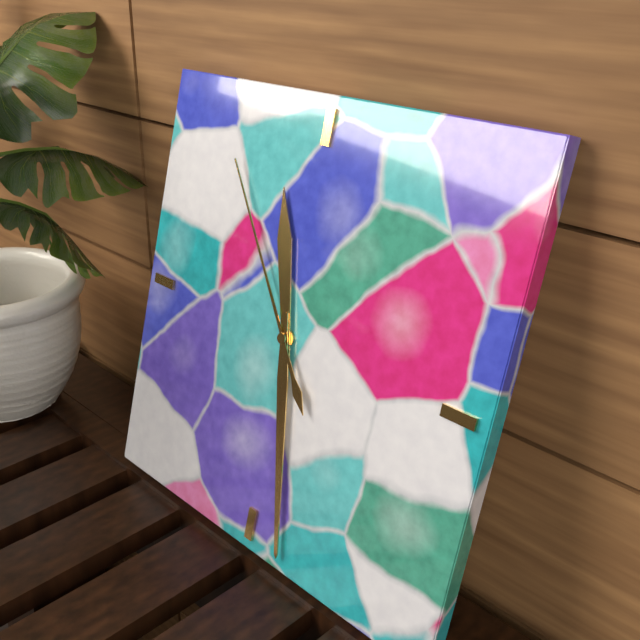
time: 11:28:54
